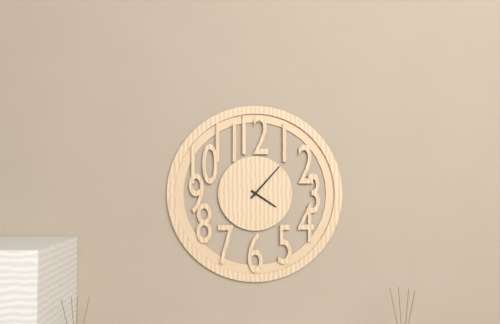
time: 4:07
